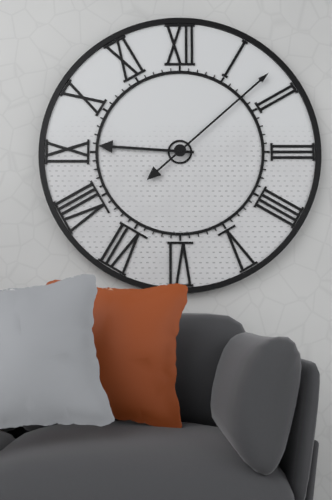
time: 9:08
